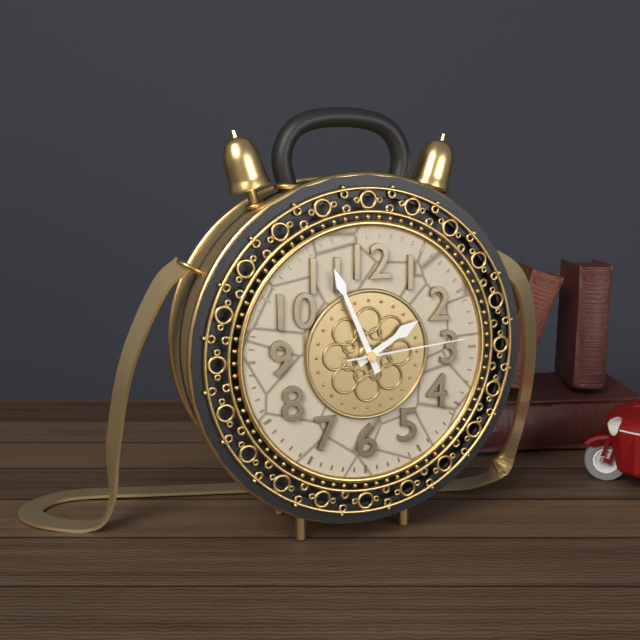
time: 1:56:14
